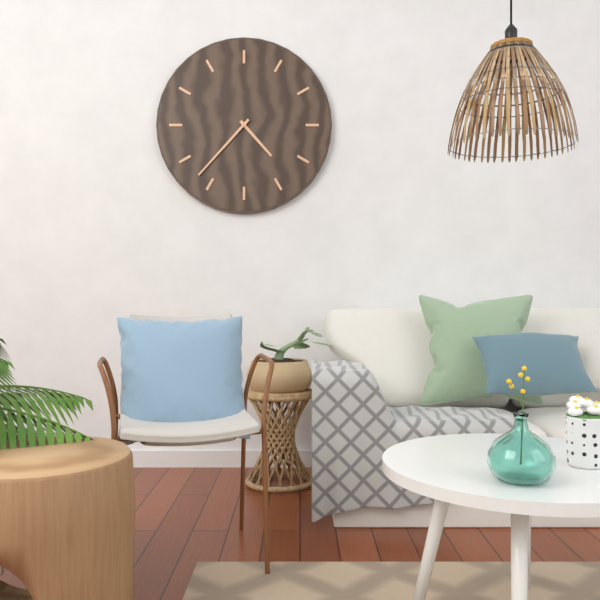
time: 4:37
